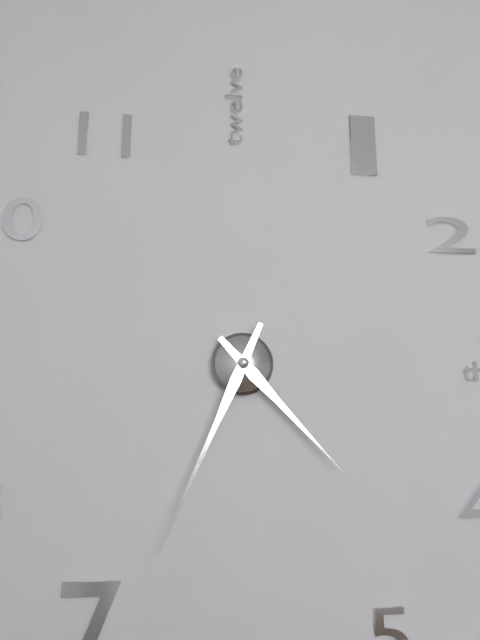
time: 4:34
